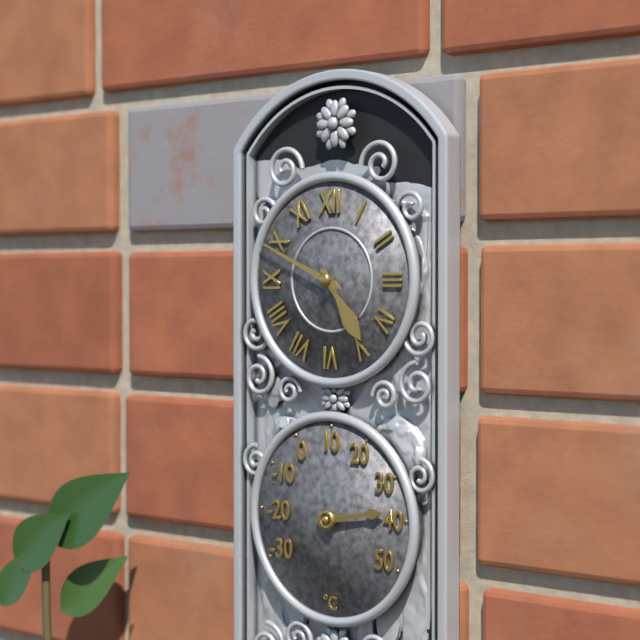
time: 4:49
